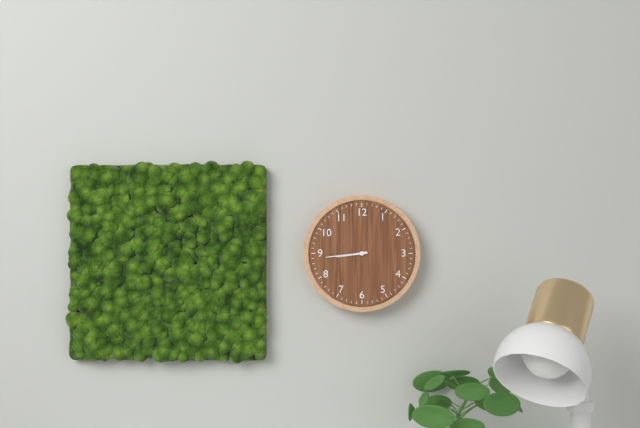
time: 8:44
